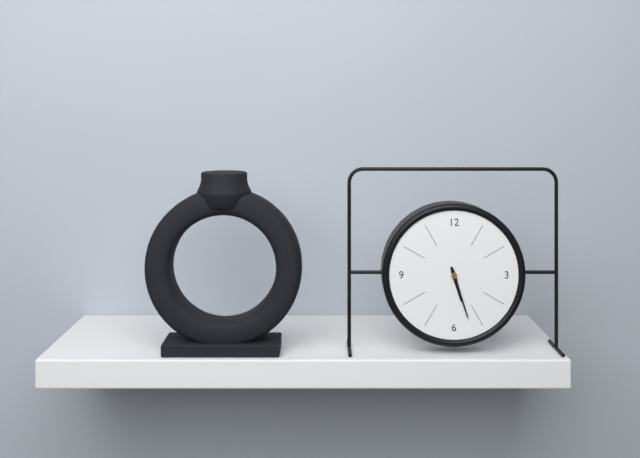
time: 5:27
